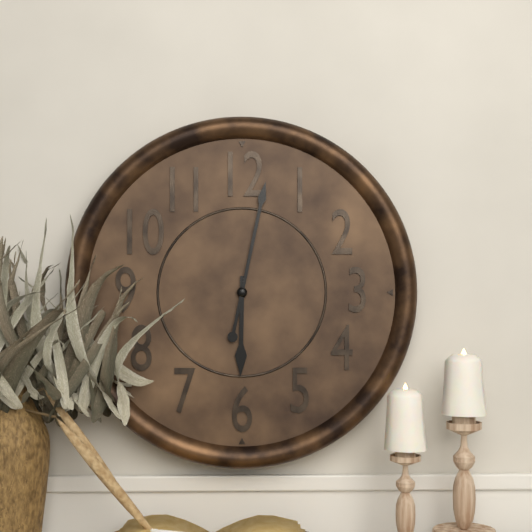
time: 6:02
